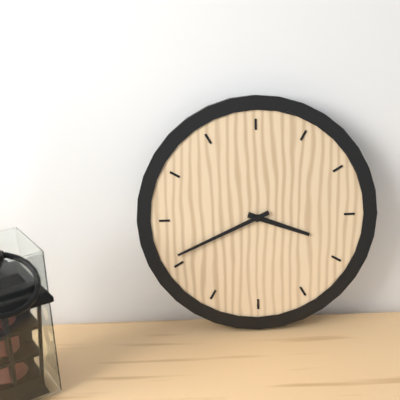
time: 3:41
